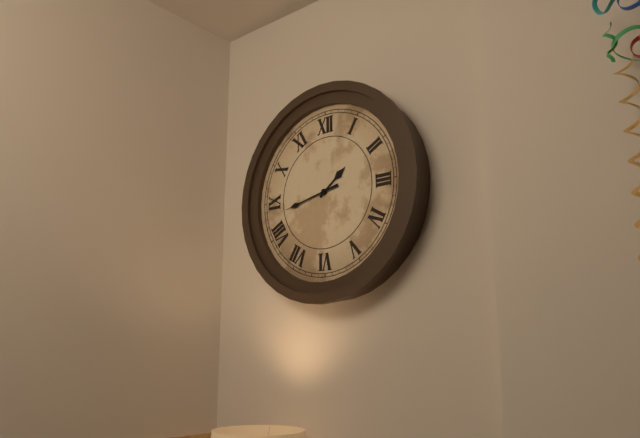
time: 1:43
